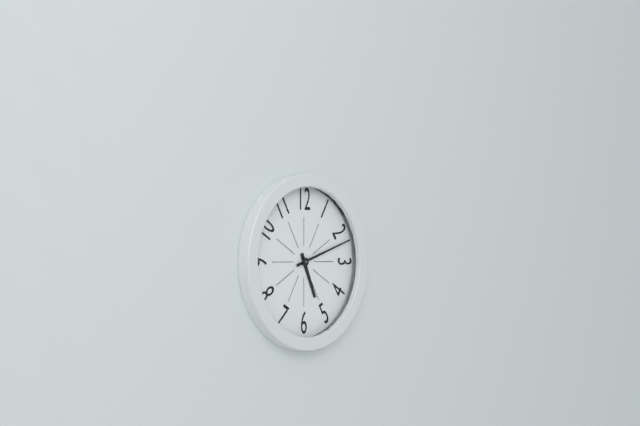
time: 5:12
